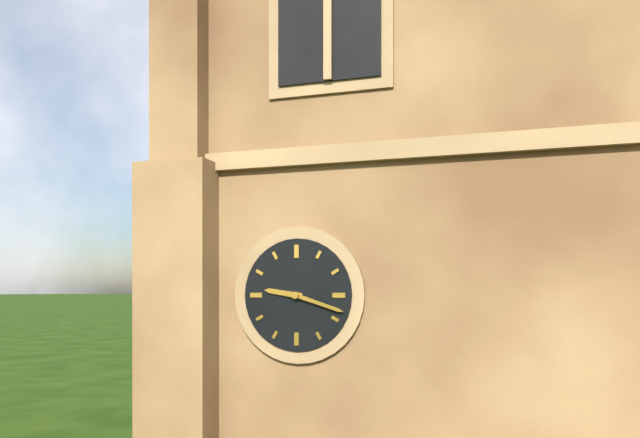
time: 9:18
